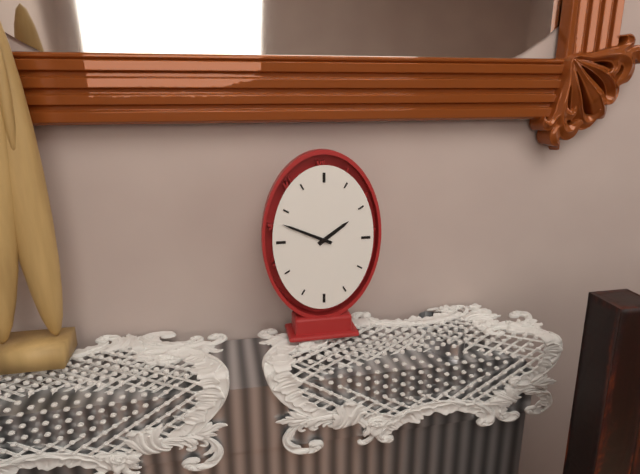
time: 1:49
